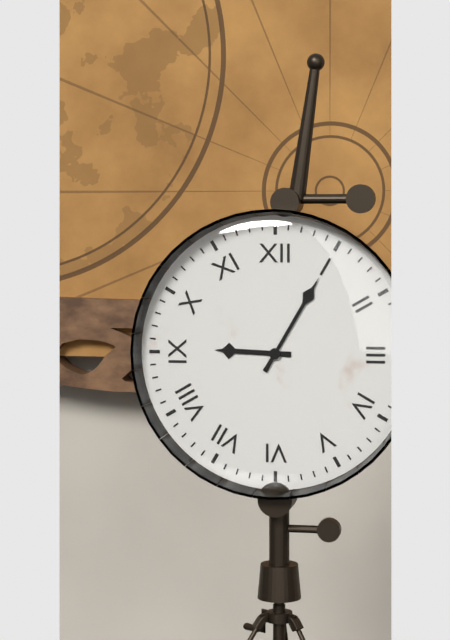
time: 9:05
